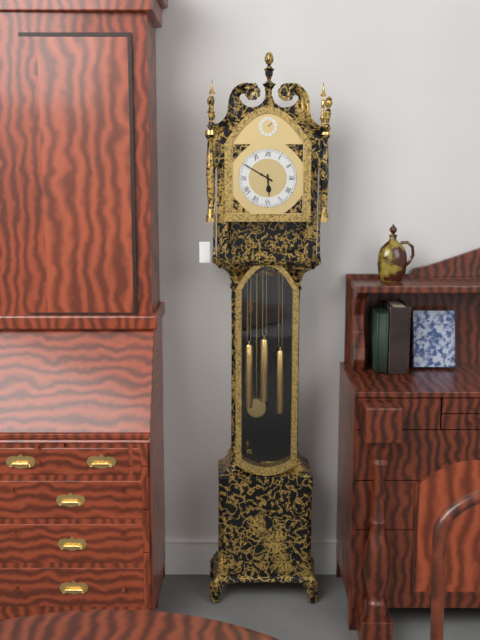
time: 5:50
